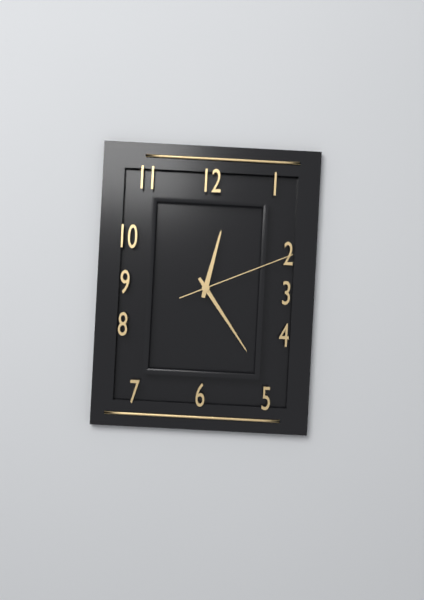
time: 12:24:11
